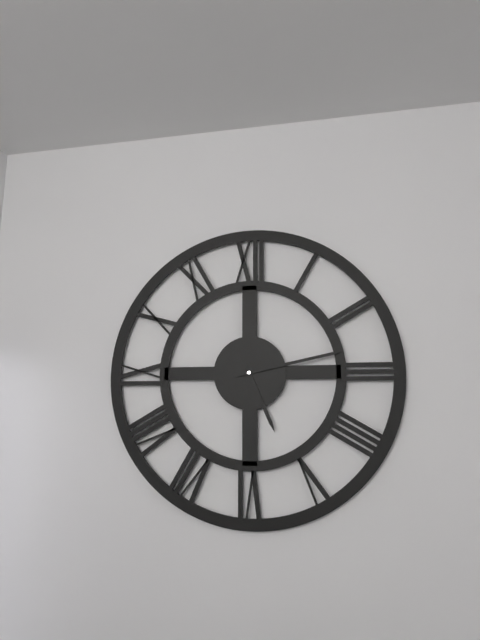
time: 5:13
